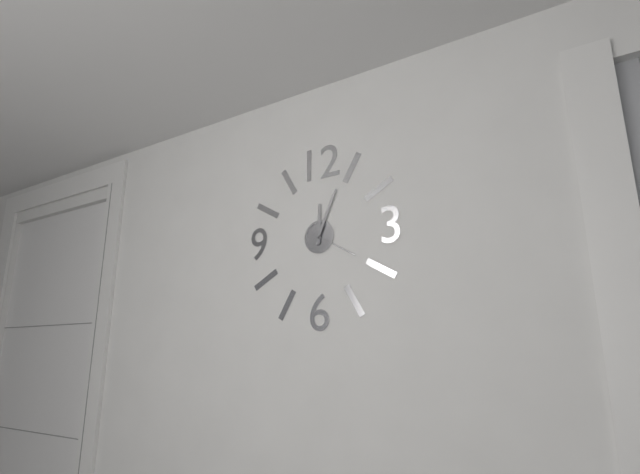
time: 12:04:20
